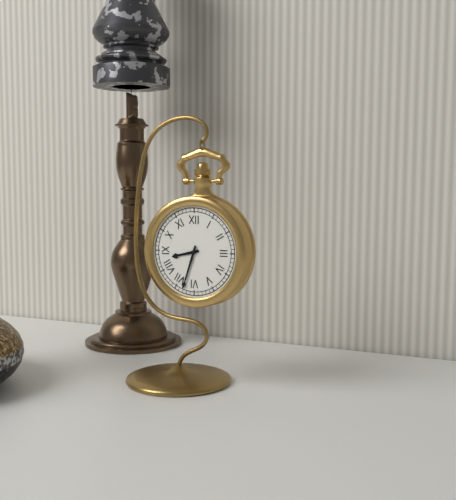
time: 8:33
